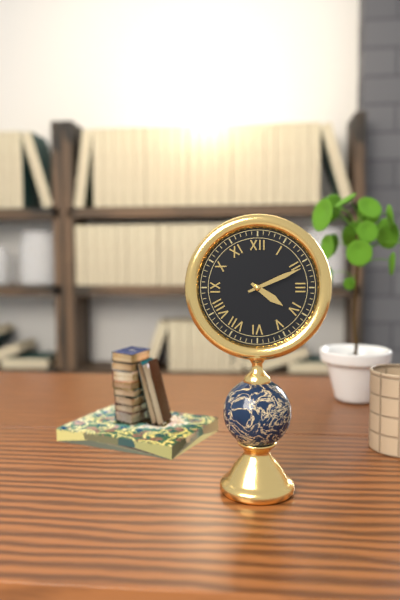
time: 4:11
